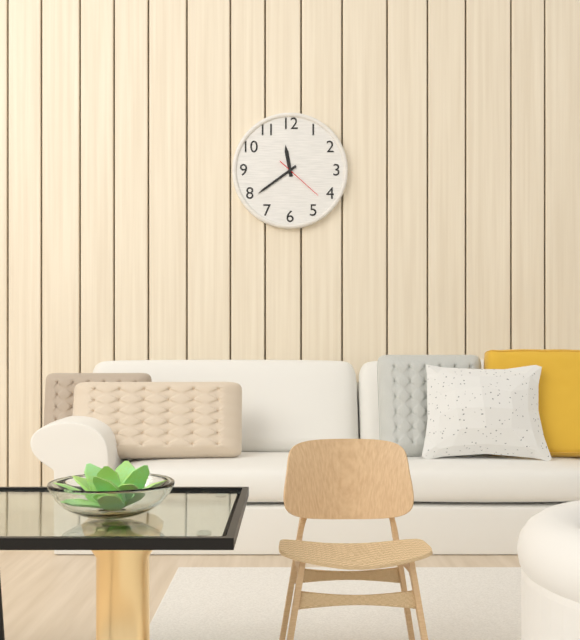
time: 11:39
